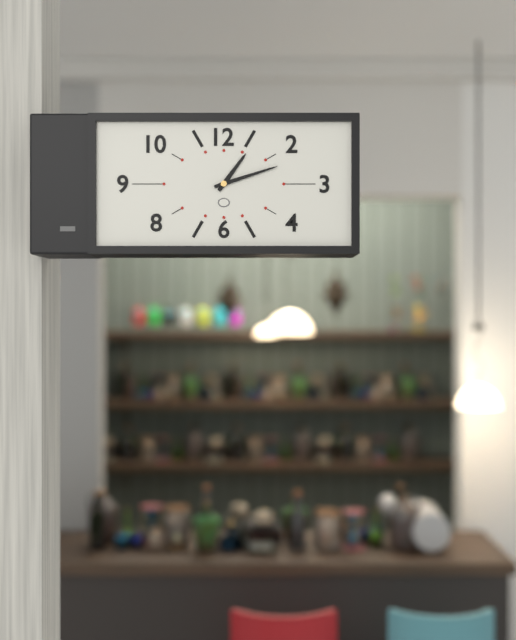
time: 1:12
